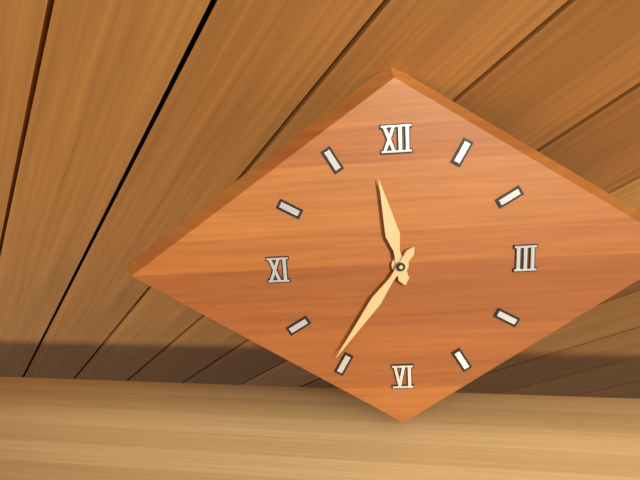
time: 11:36
